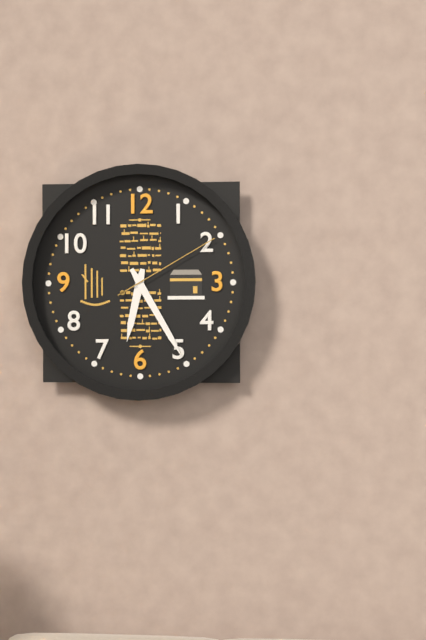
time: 6:25:10
